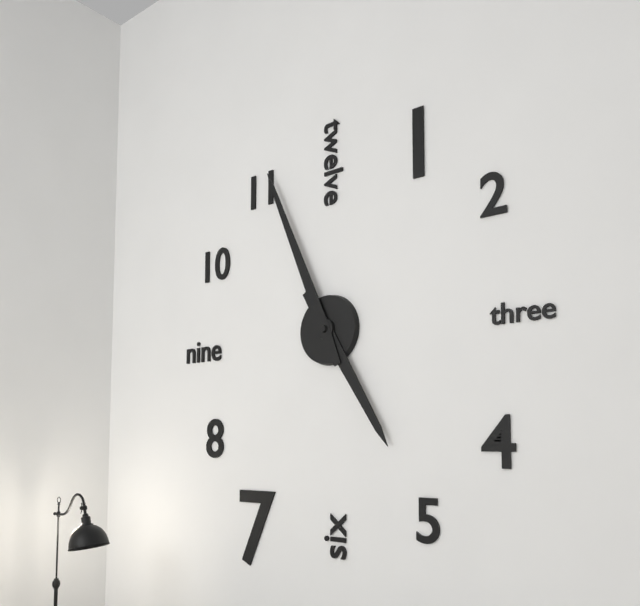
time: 4:56
